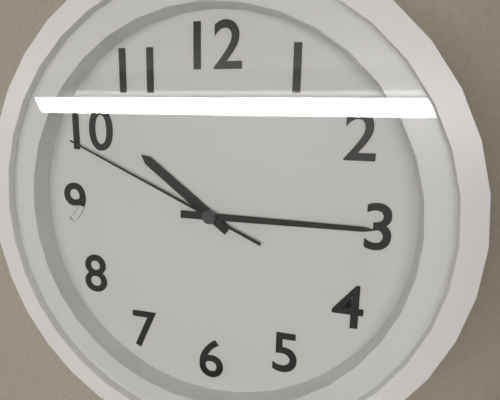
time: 10:15:49
